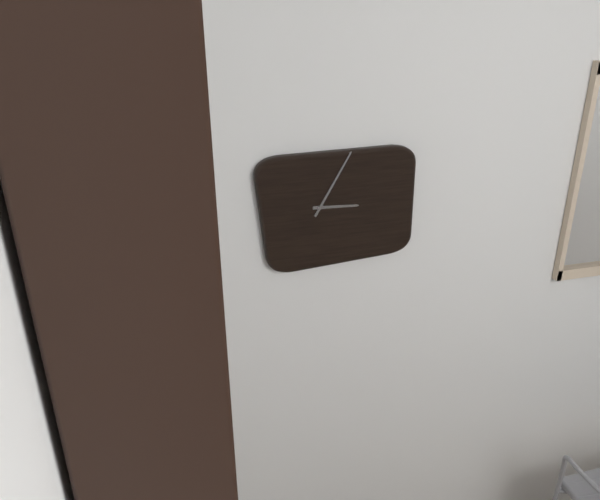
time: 3:05
